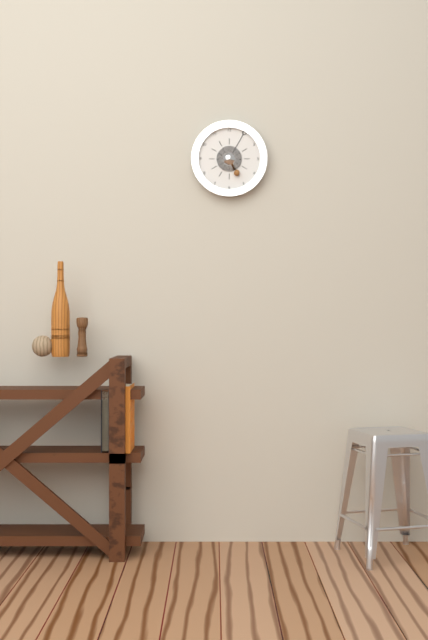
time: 5:05
